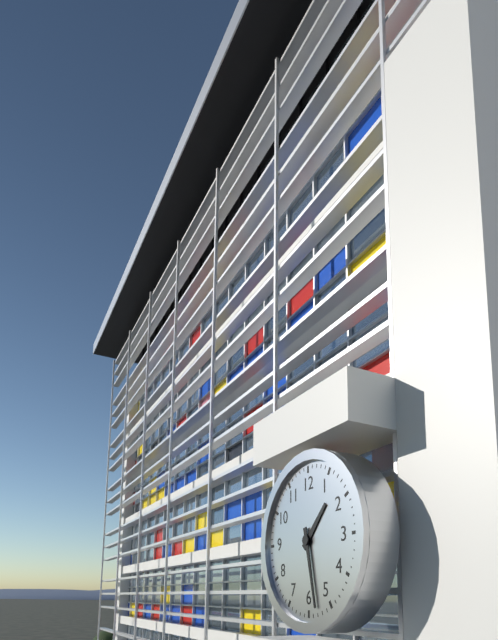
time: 1:28
